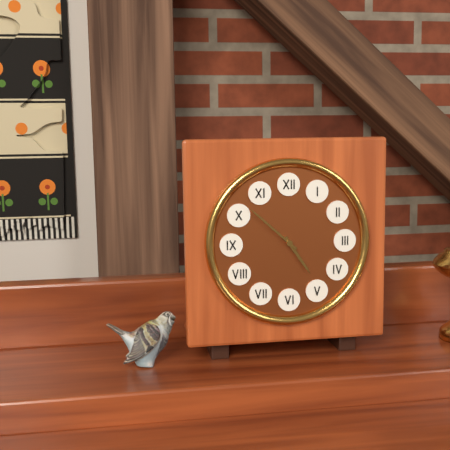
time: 4:52
